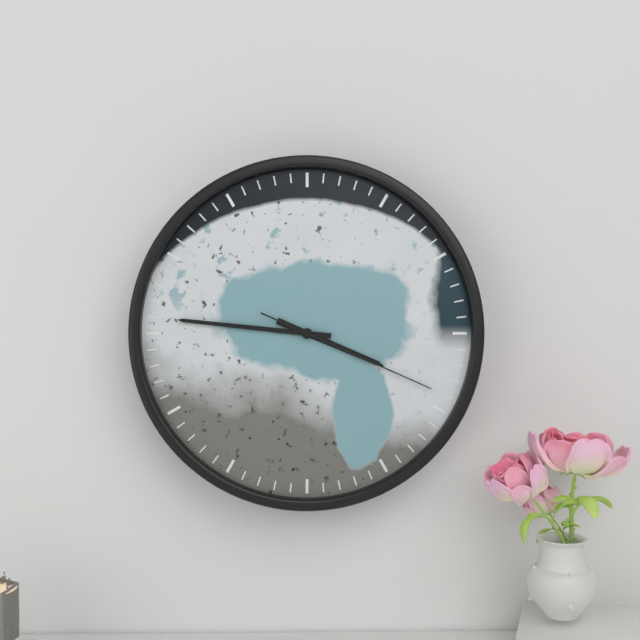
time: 3:46:19
